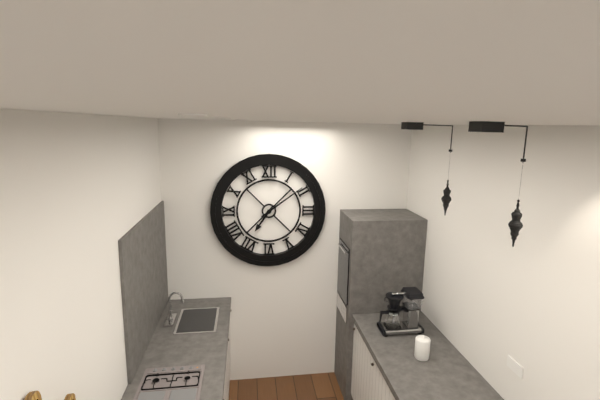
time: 7:09
